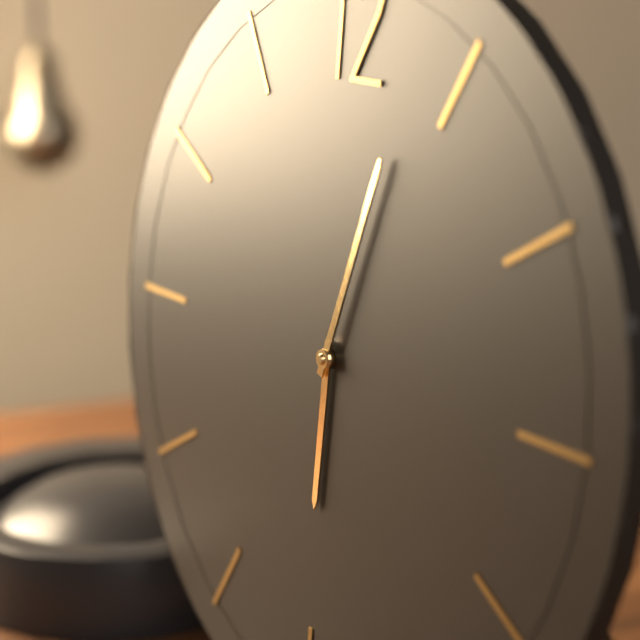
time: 6:03
